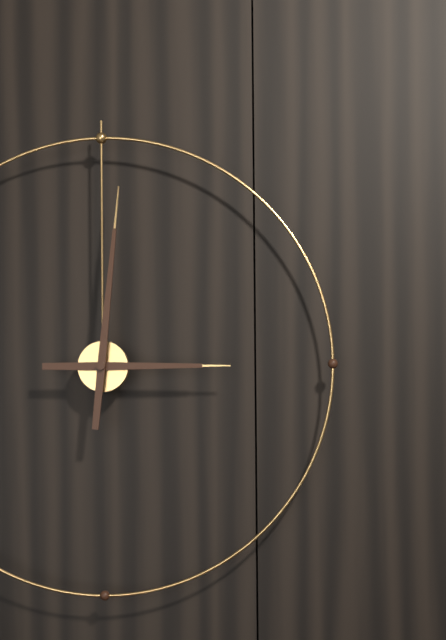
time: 3:01
